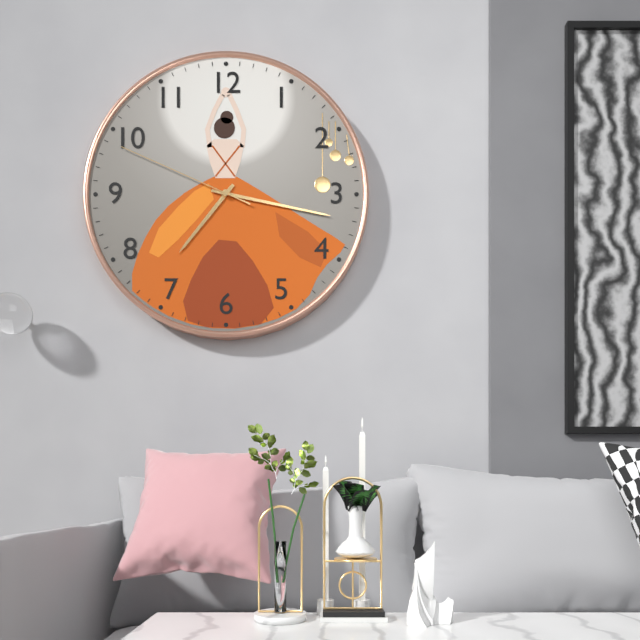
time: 7:17:49
